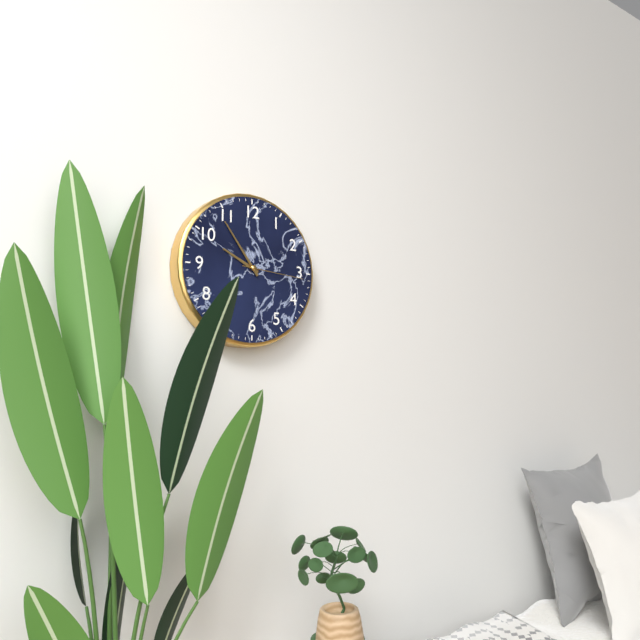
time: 9:54:16
